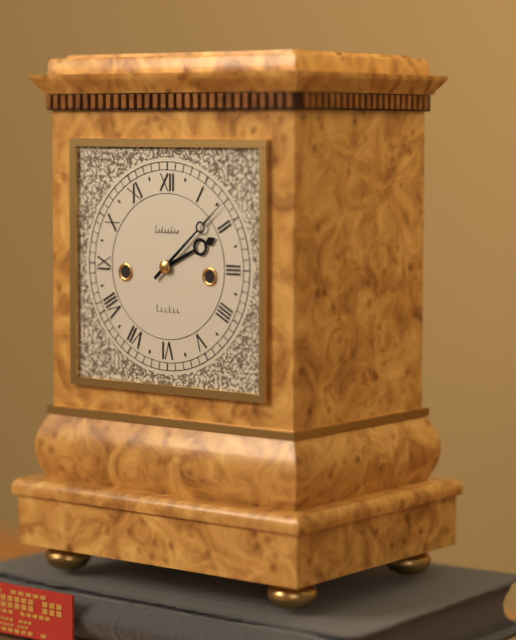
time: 2:08
